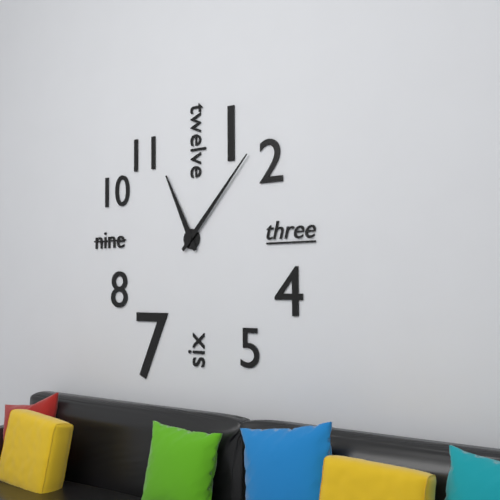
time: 11:07
